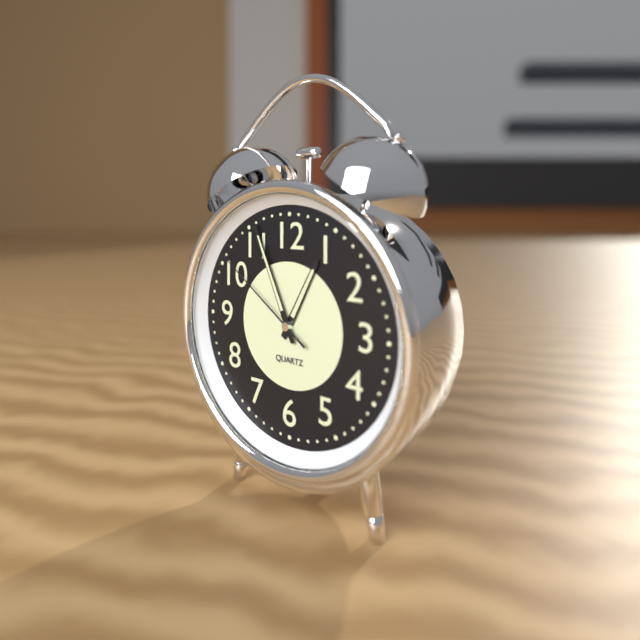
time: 12:56:51
